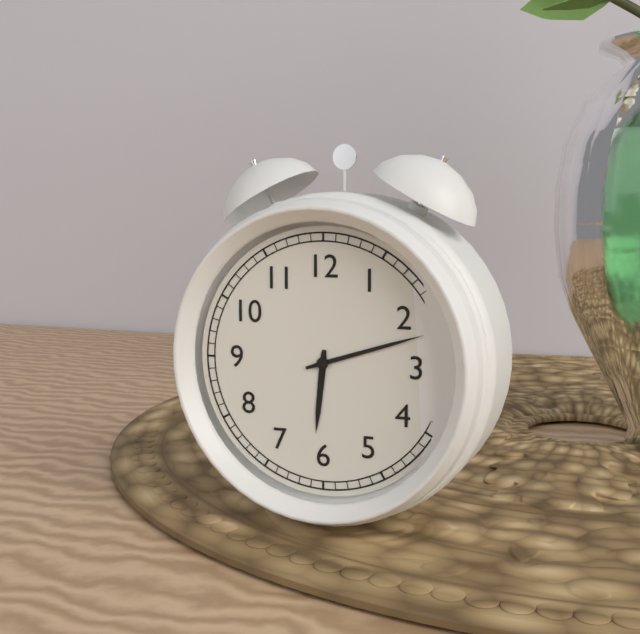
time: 6:12
